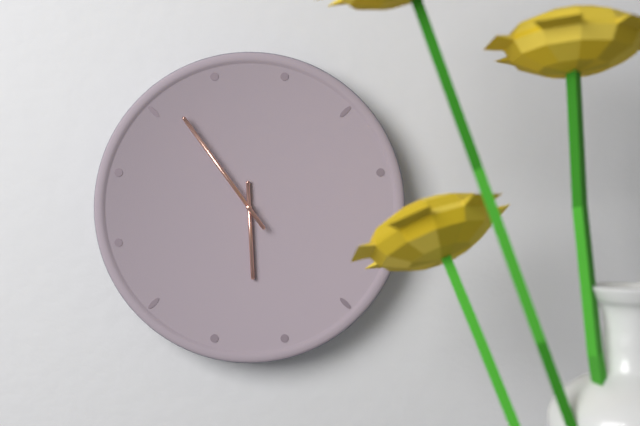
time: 5:54
